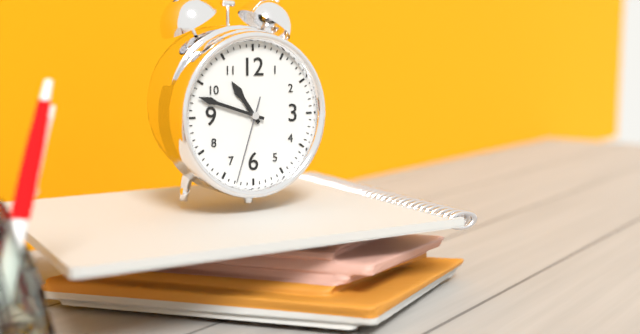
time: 10:48:33
